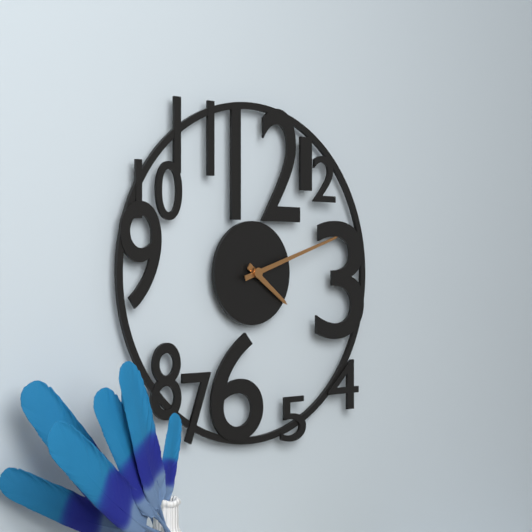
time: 4:12
